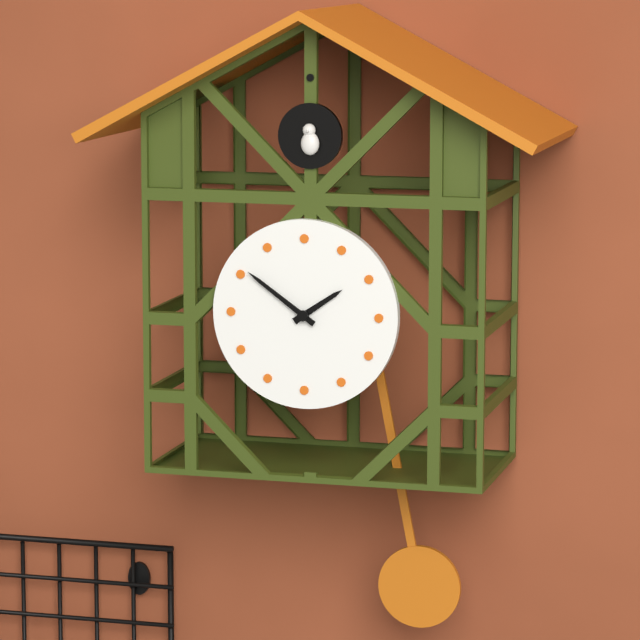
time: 1:51
